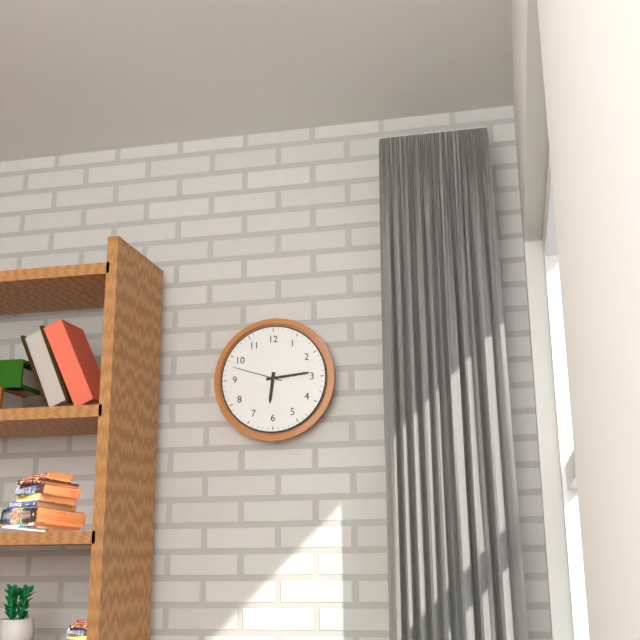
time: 6:14:48
